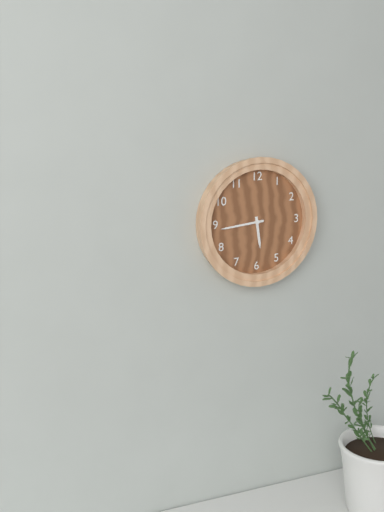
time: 5:44
